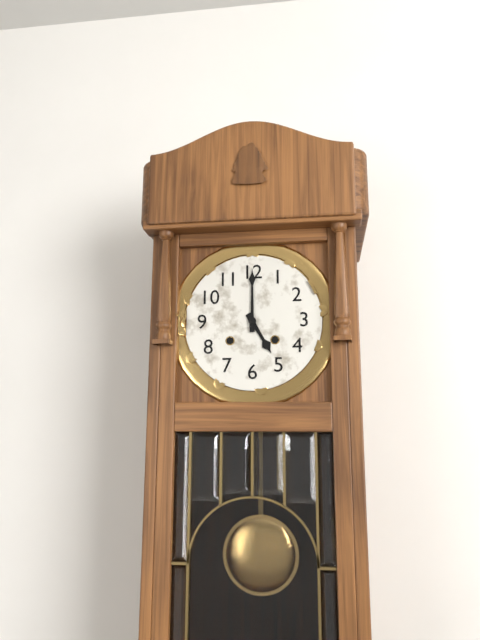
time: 5:00
